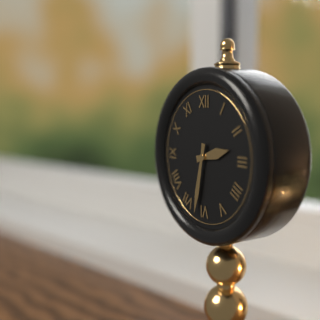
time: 2:32
